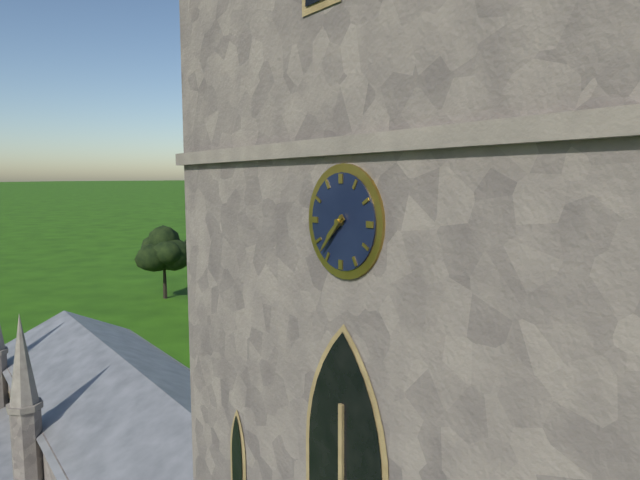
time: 7:37
